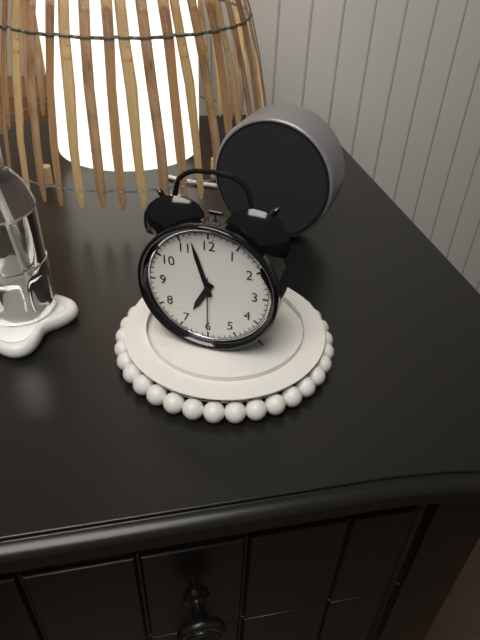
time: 6:57:30
